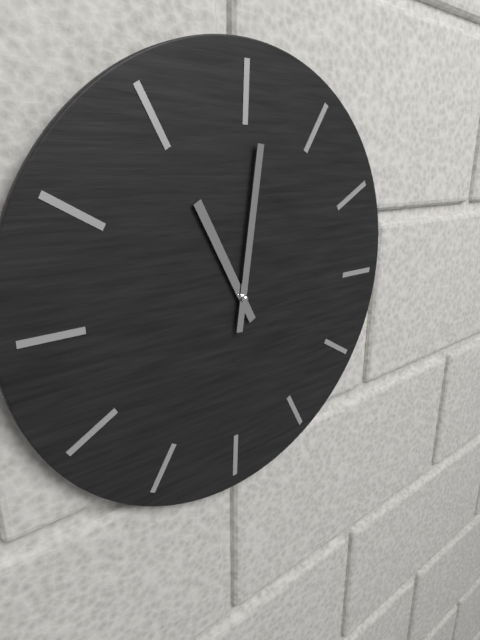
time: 11:01
